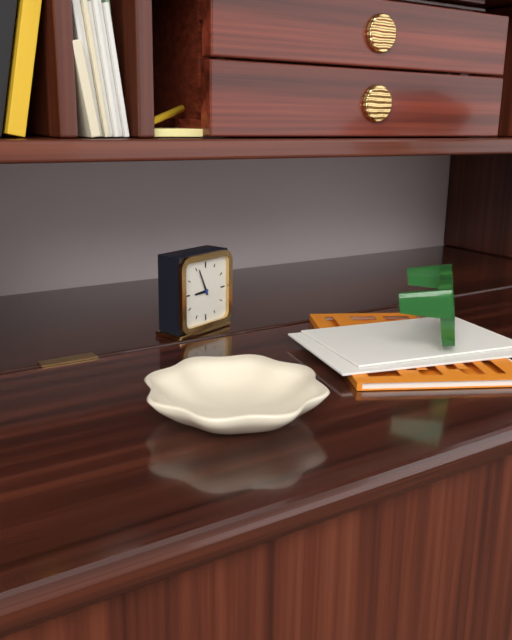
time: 8:56
